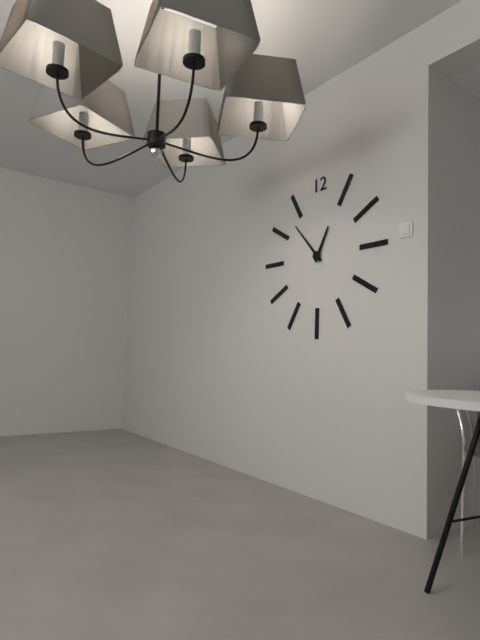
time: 12:53
